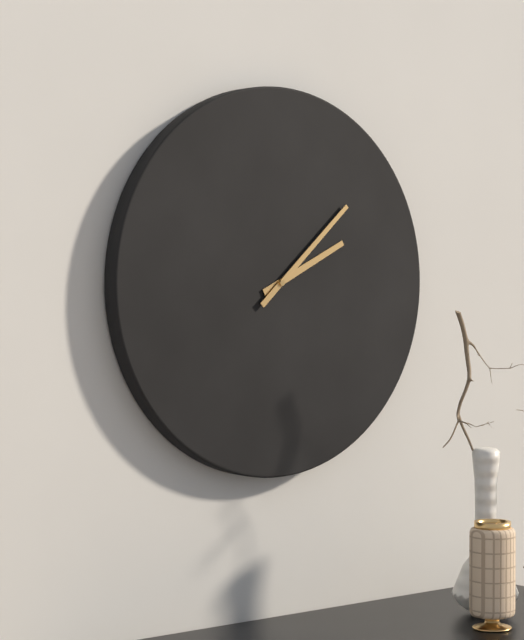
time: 2:08
